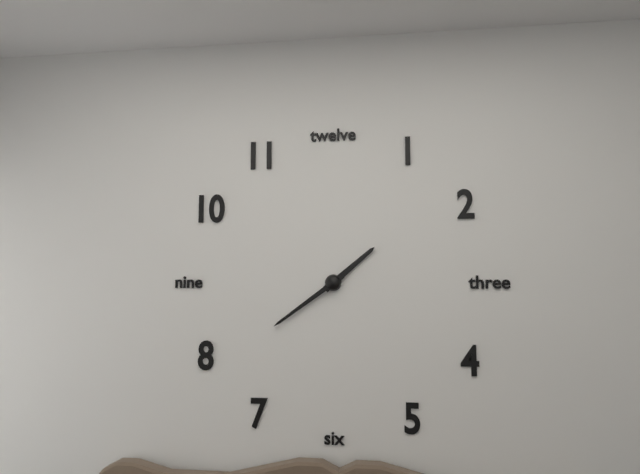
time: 1:39
